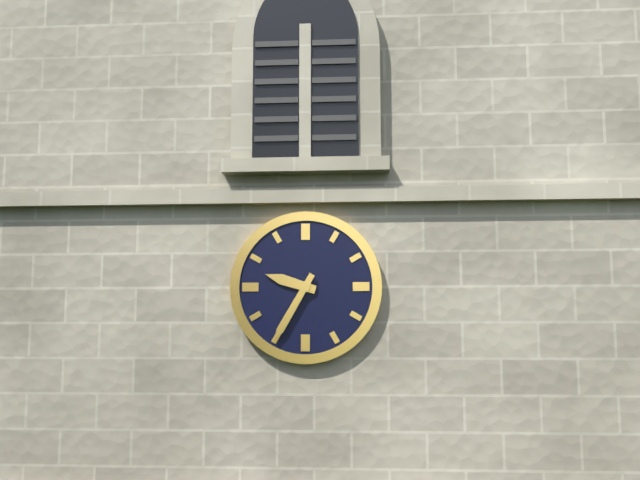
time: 9:35
